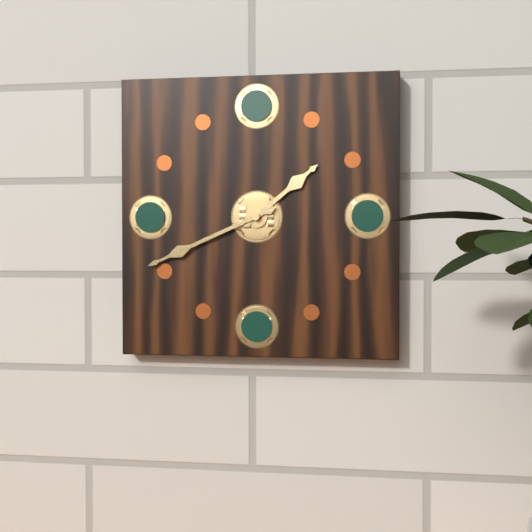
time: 1:41
